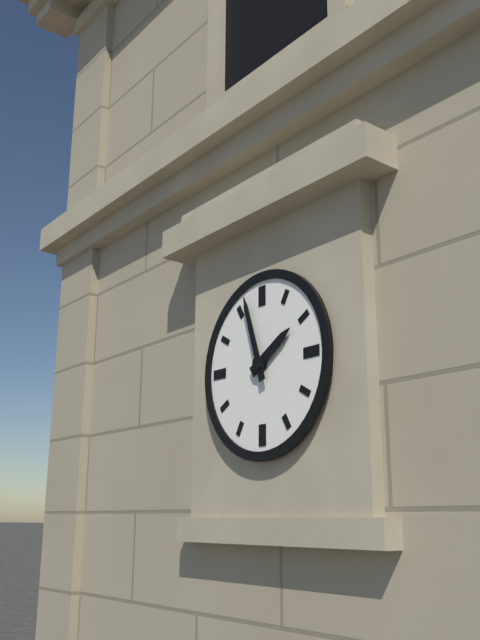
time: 1:57
